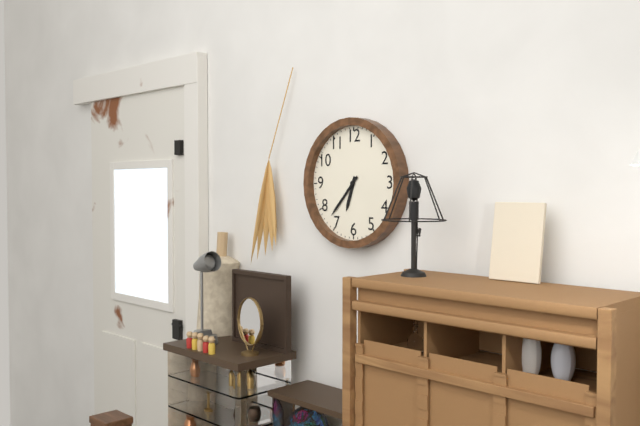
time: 6:37
